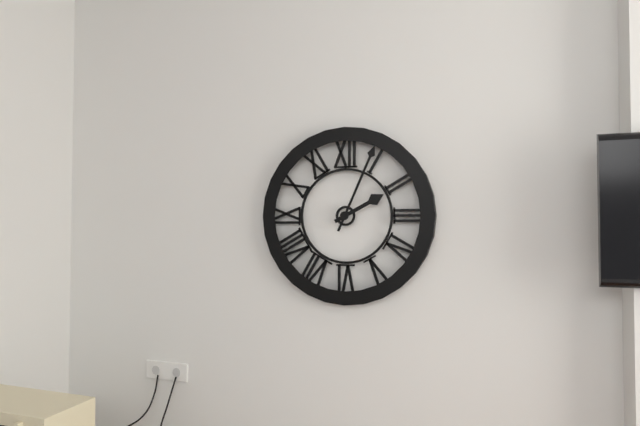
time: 2:04
